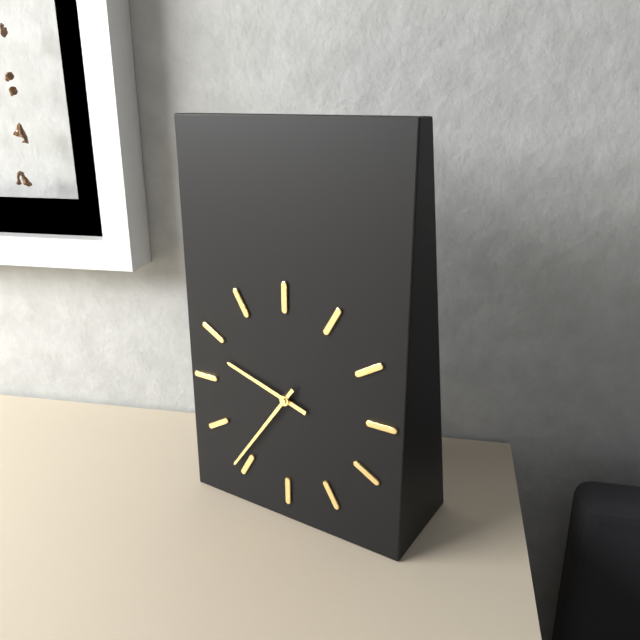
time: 9:36
